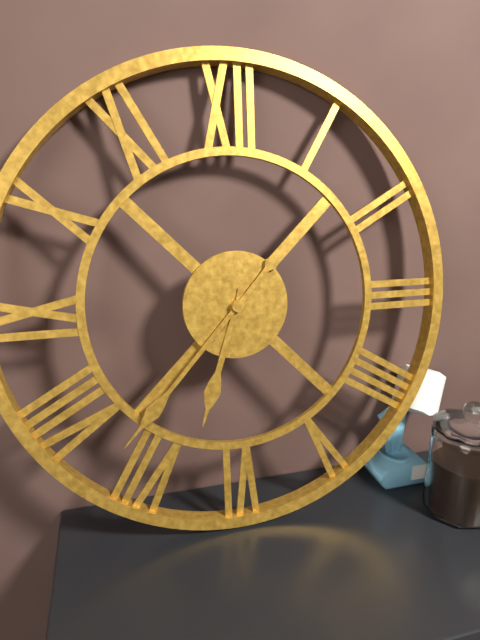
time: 6:37
